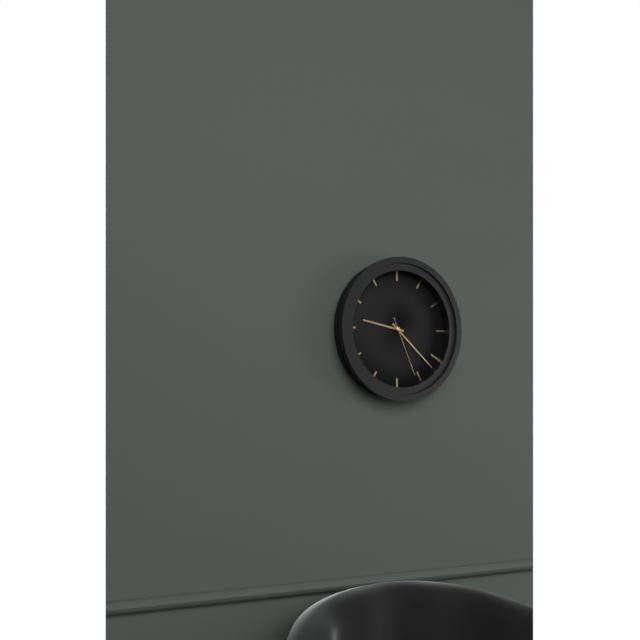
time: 9:22:26
